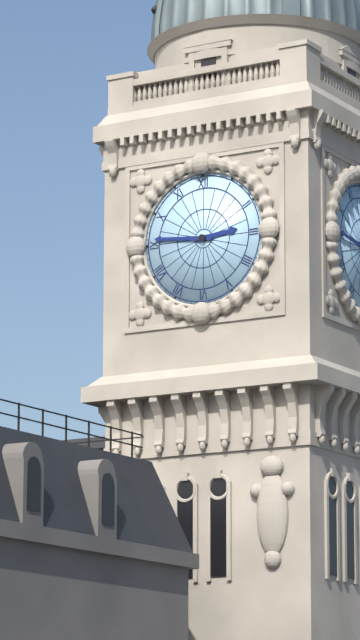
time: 2:46
